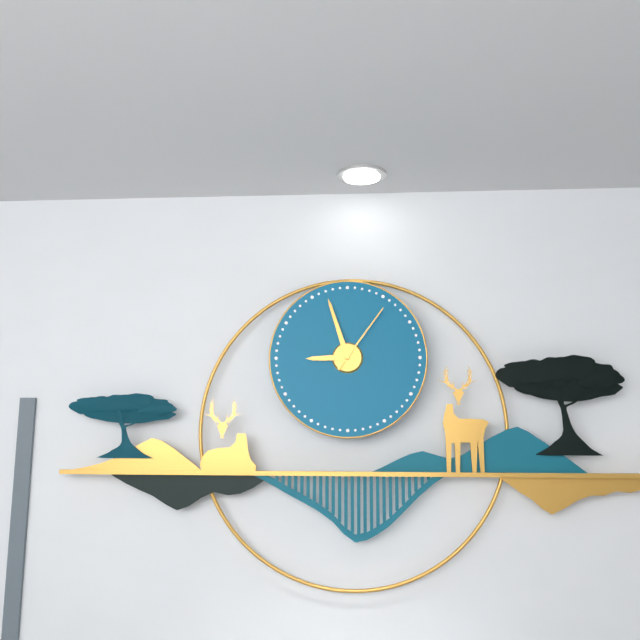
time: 8:57:06
